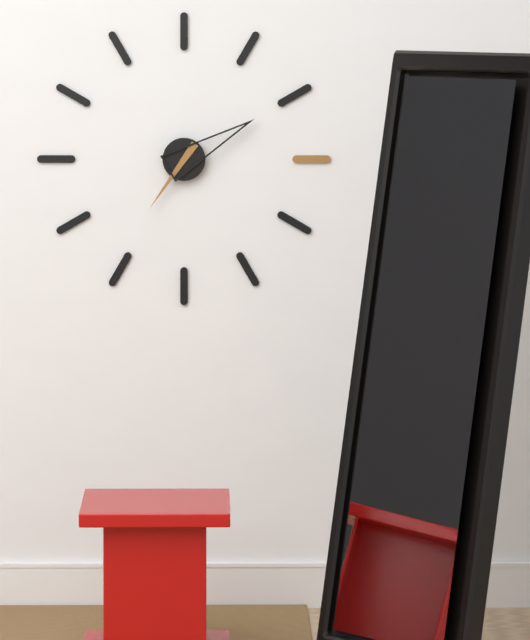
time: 7:10
